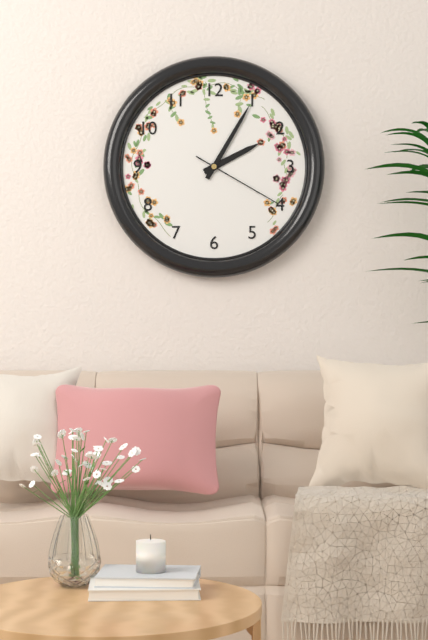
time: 2:05:20
